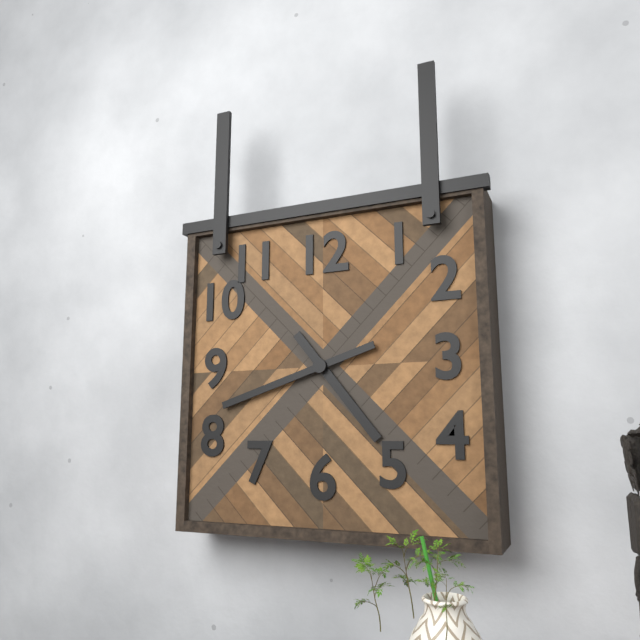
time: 4:42
